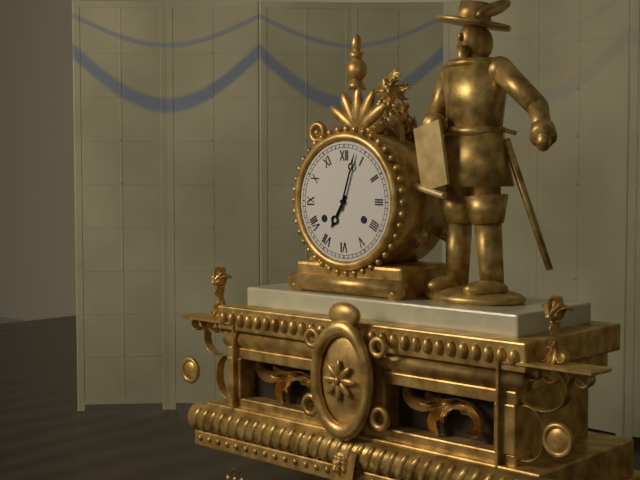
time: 7:03
